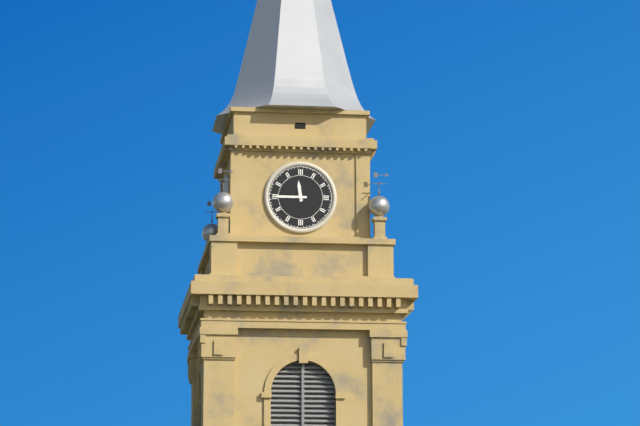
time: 11:45
